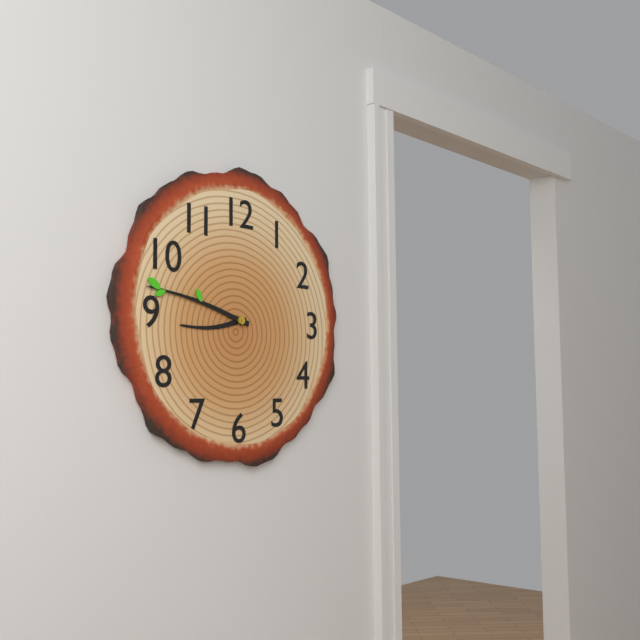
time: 8:47
